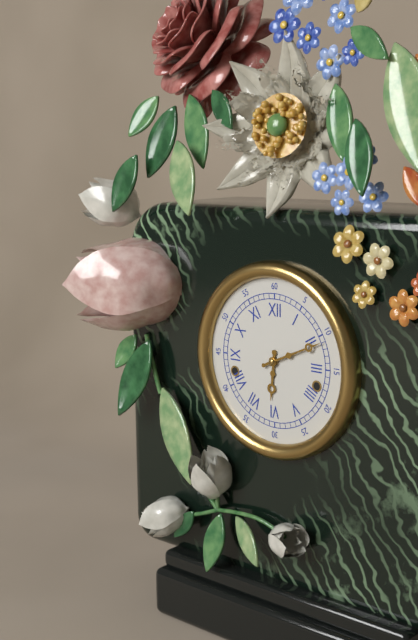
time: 6:11
